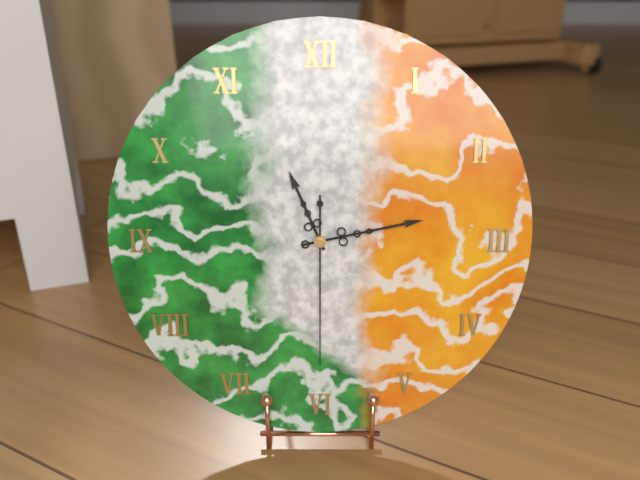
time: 11:13:30
